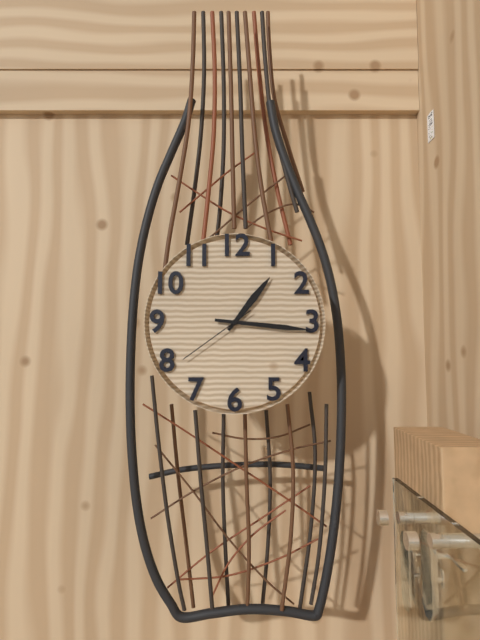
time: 1:16:39
